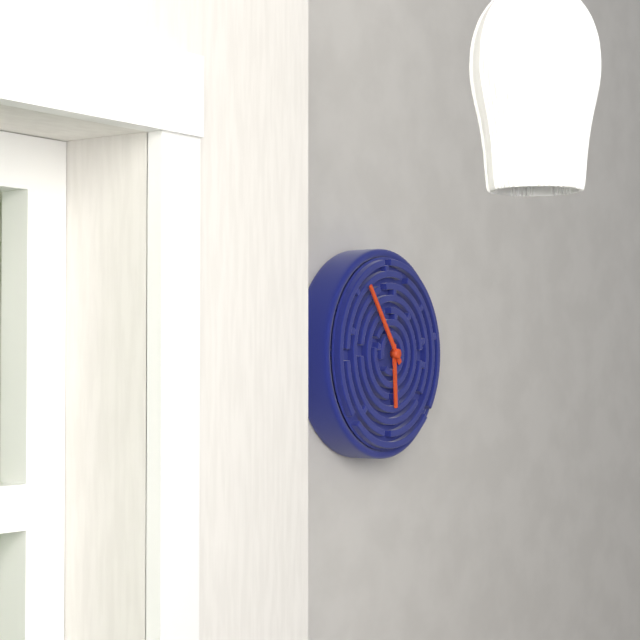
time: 5:54
